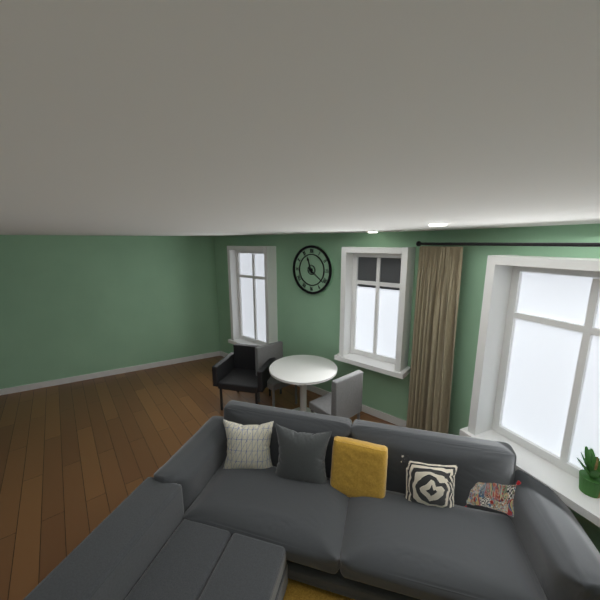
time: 11:21
